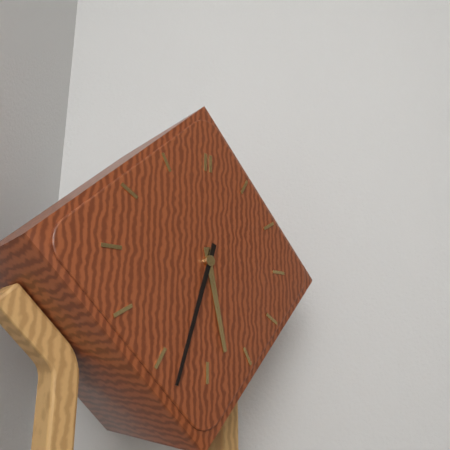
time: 5:33
